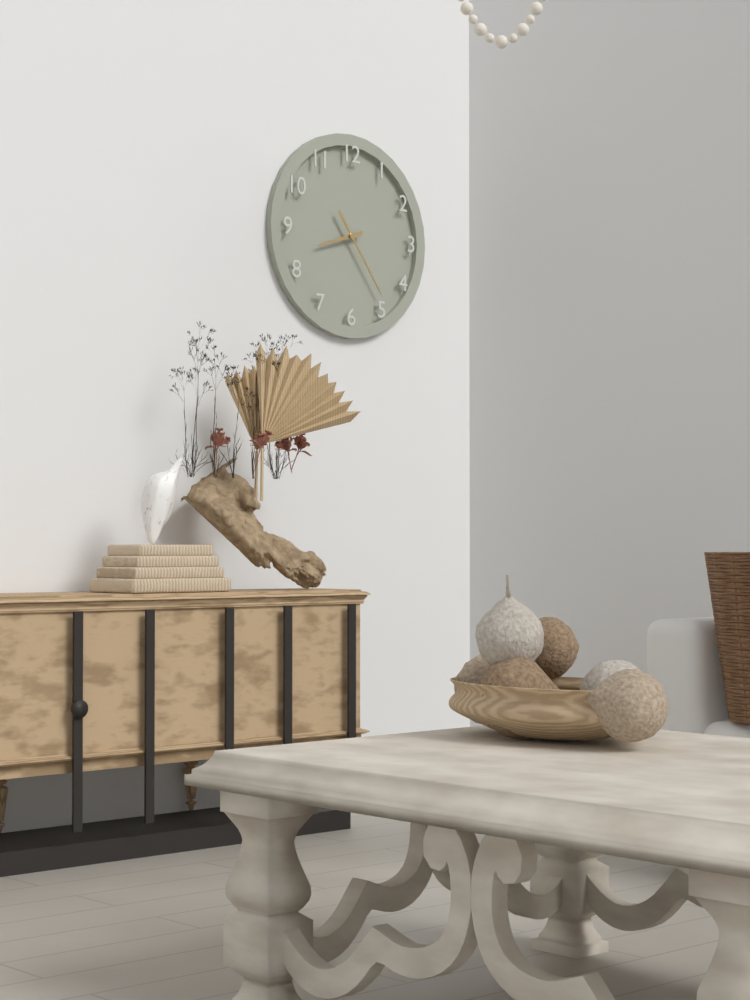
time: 8:24
